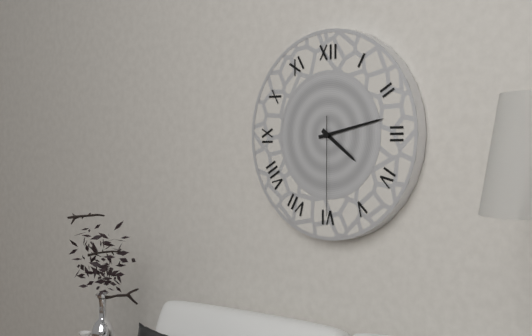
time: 4:13:30
